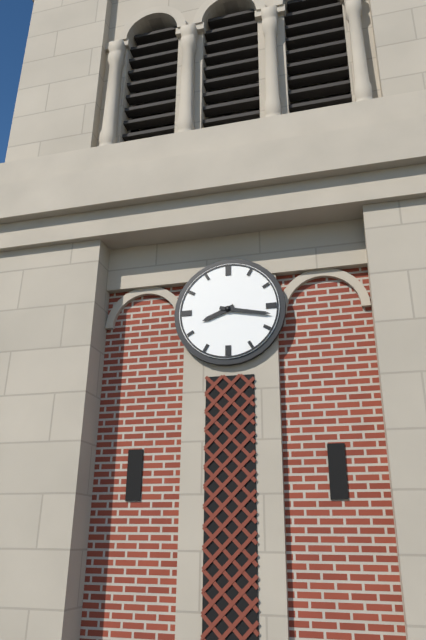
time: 8:17
